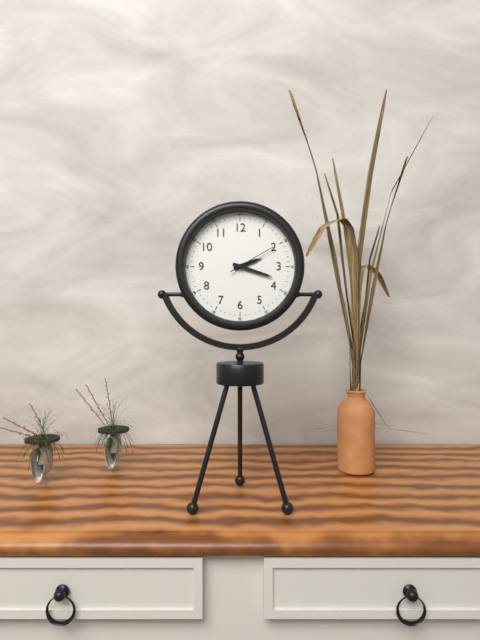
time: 2:18
